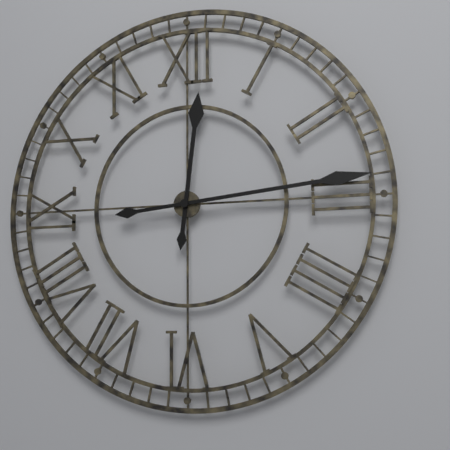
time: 12:14
